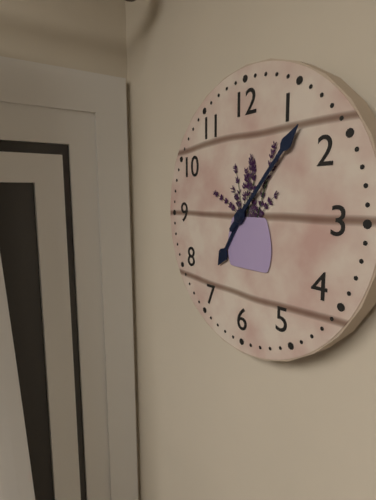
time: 7:07
